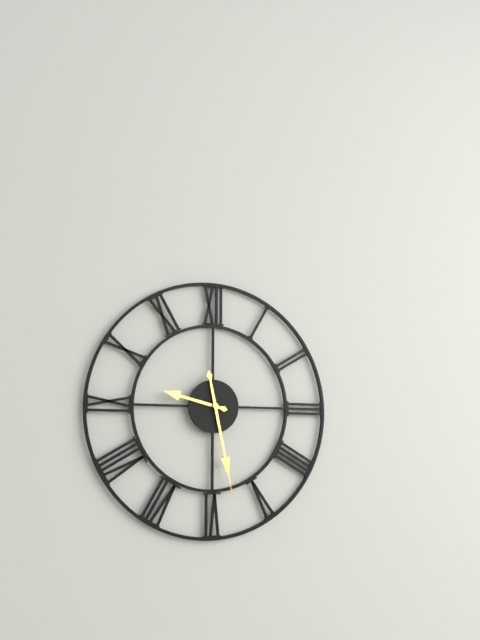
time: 9:28
